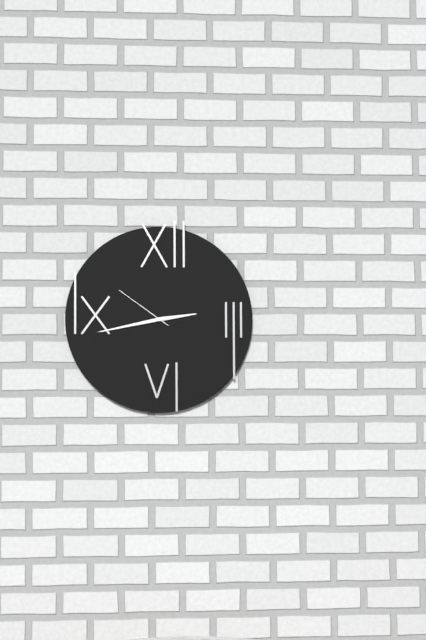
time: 2:43:51
